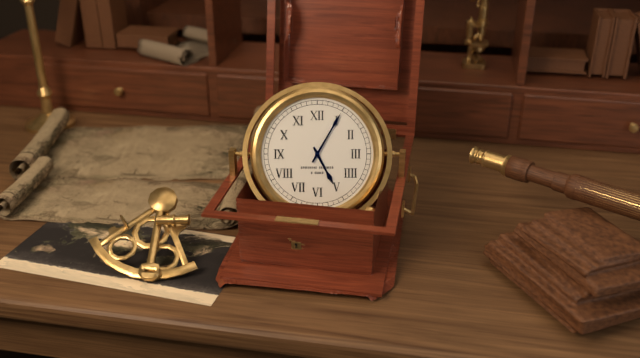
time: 5:05
